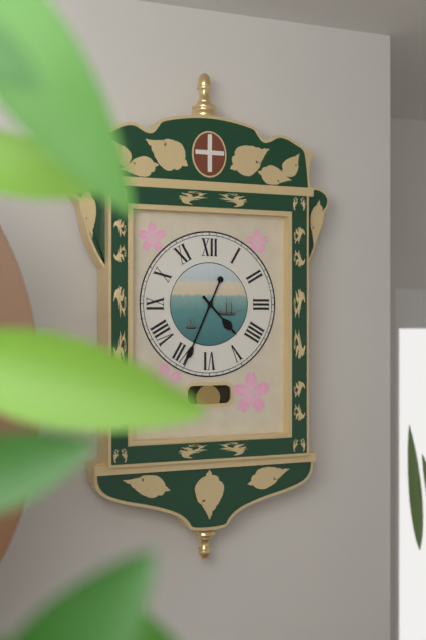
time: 4:34
